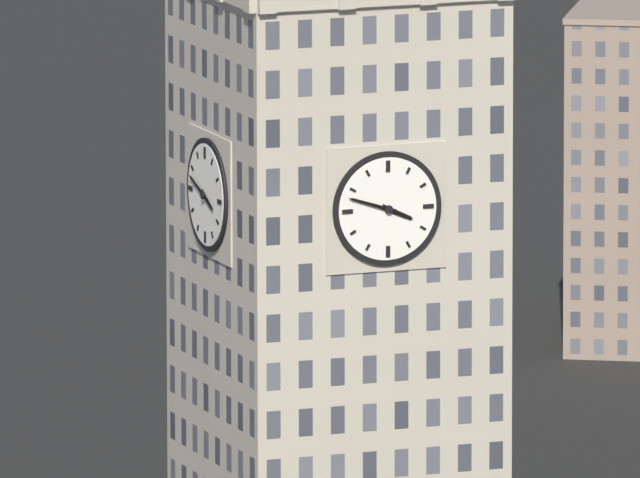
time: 3:48
